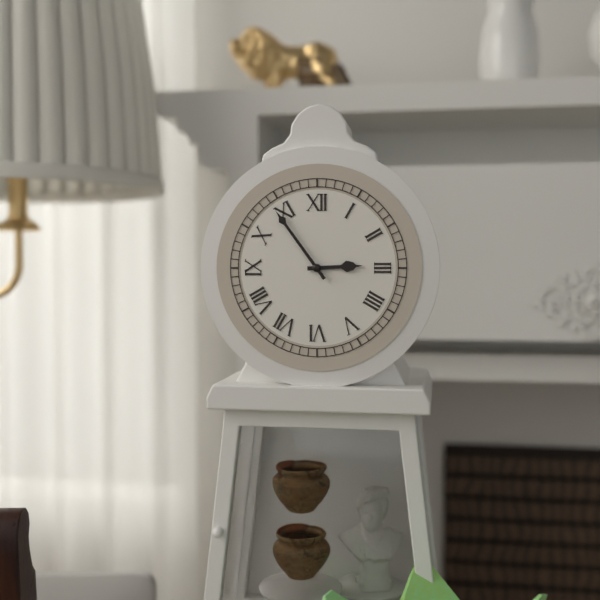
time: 2:54
